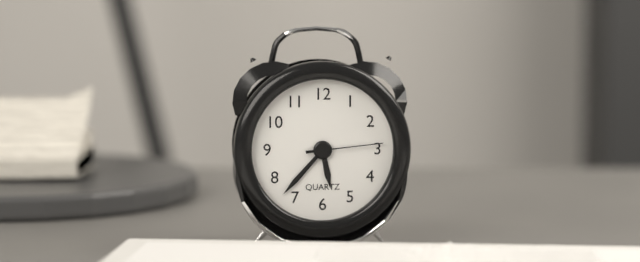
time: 5:37:14
